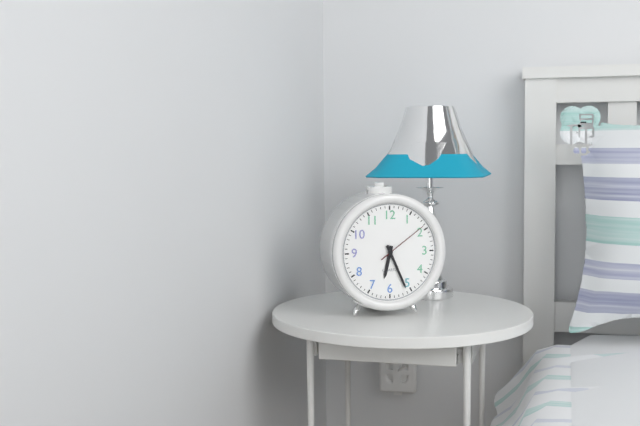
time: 6:26:09
